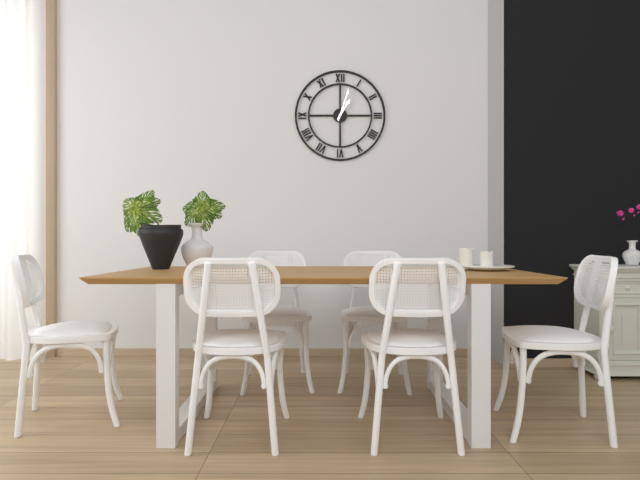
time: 1:03
